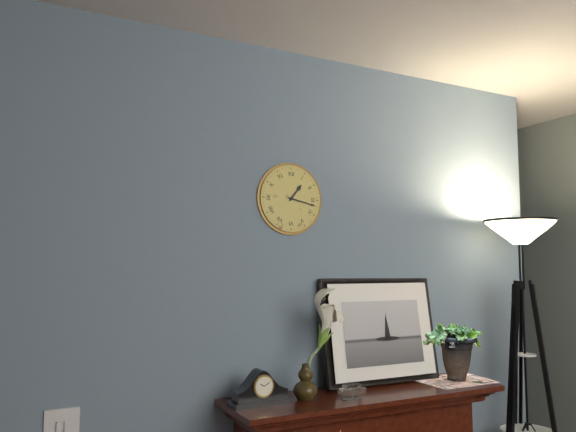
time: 1:17
